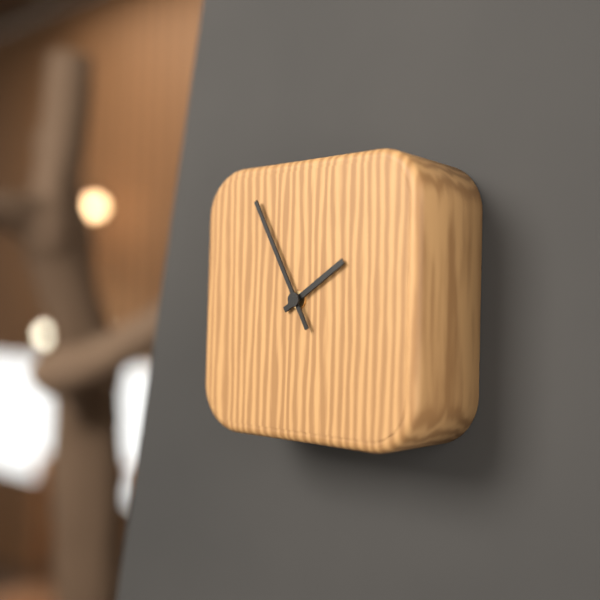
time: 1:55
